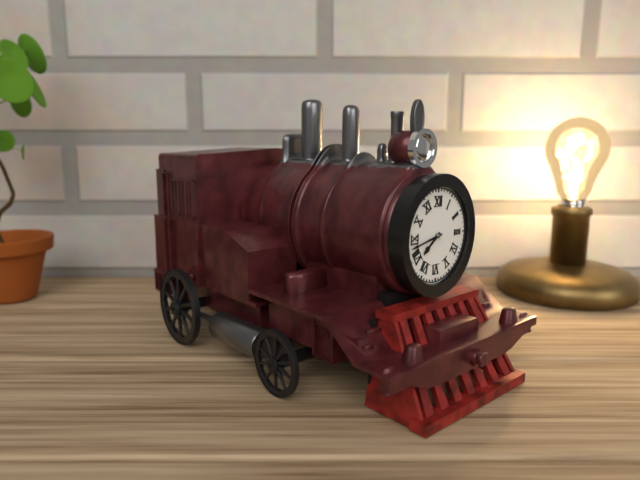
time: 7:43
